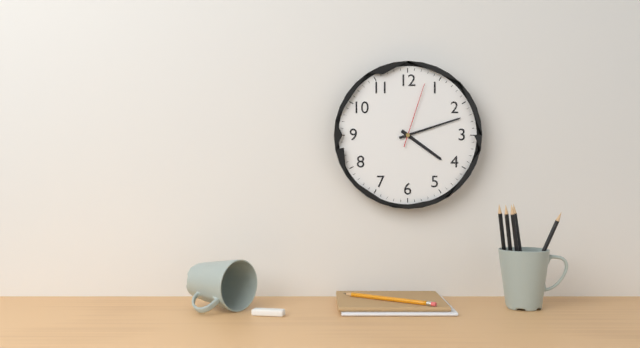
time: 4:12:03
